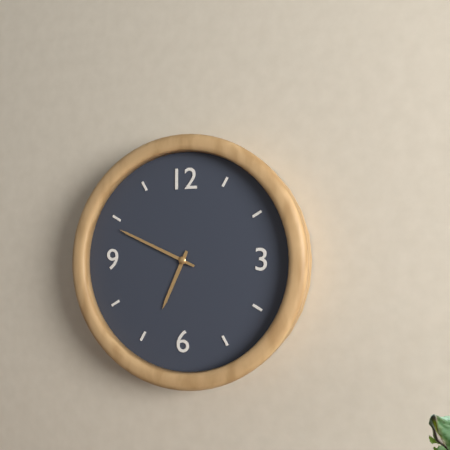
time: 6:49
